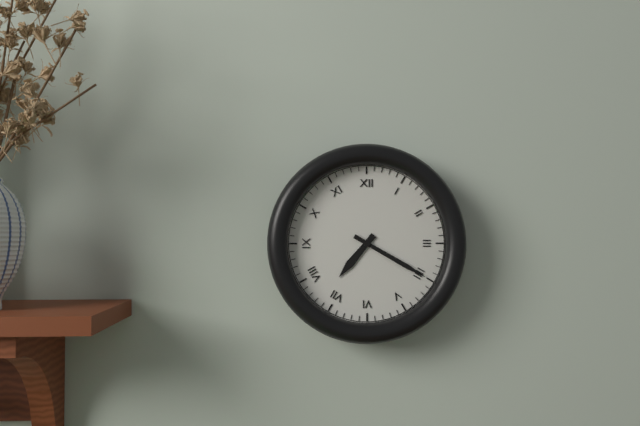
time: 7:20
